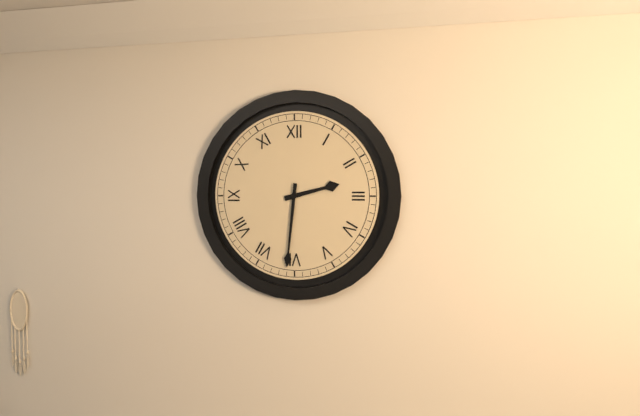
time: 2:31
